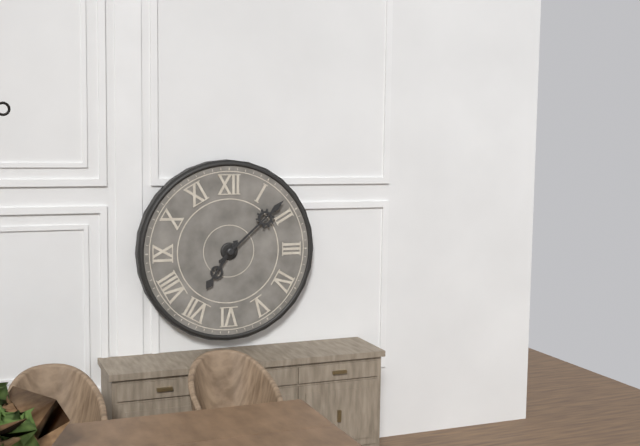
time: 7:08
